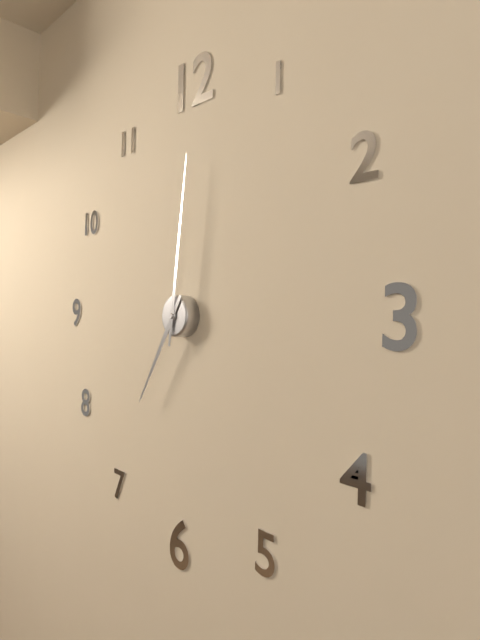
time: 7:01
